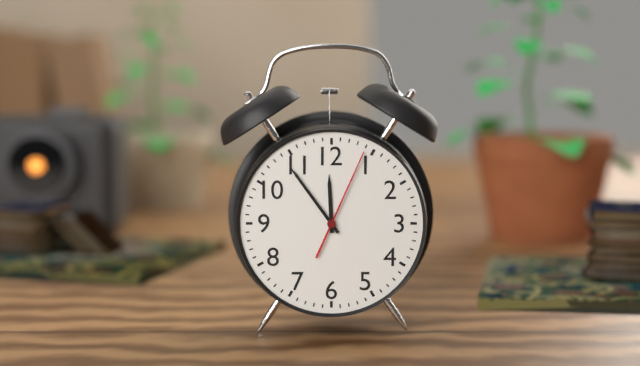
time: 11:54:04
